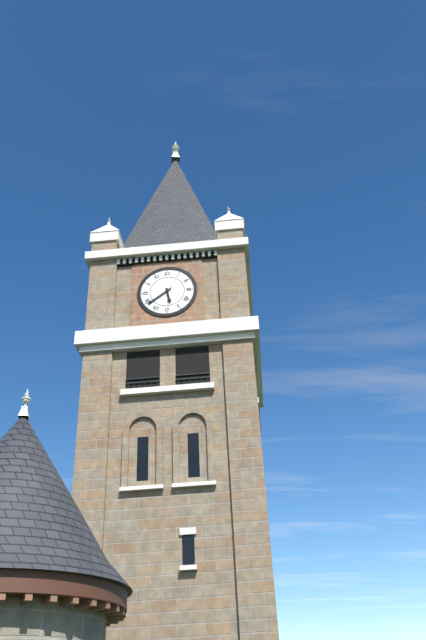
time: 5:39
